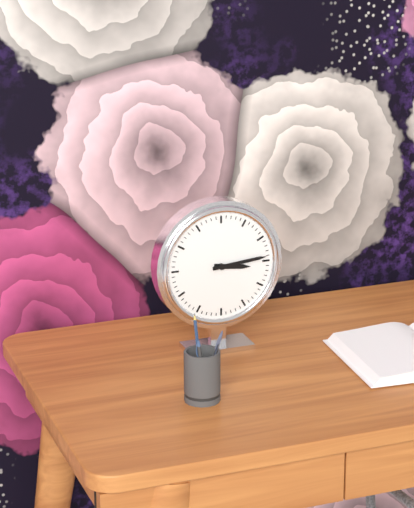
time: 3:14
